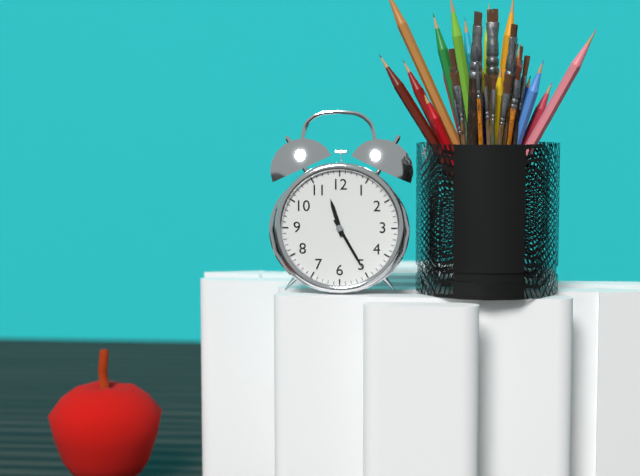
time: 11:25
